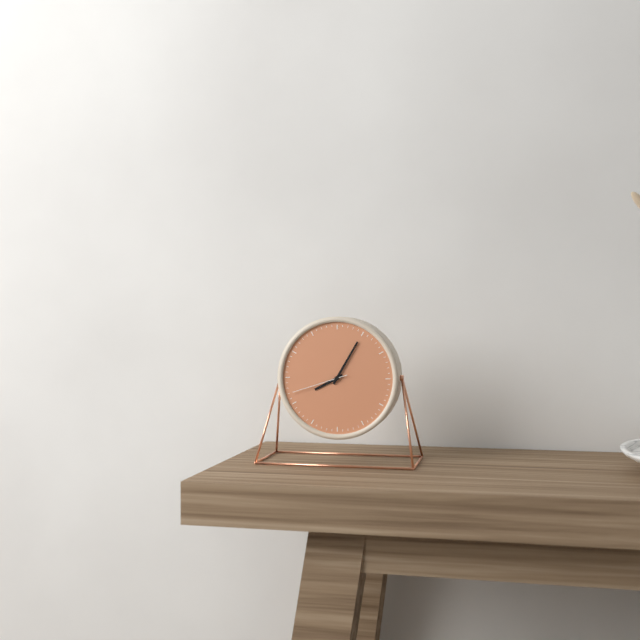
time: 8:05:42
